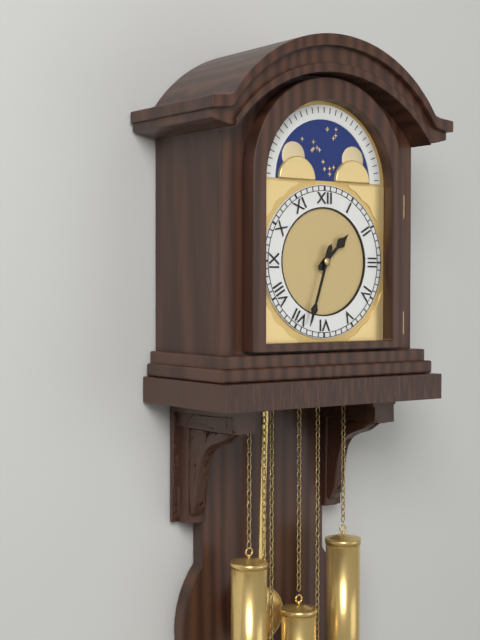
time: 1:33
